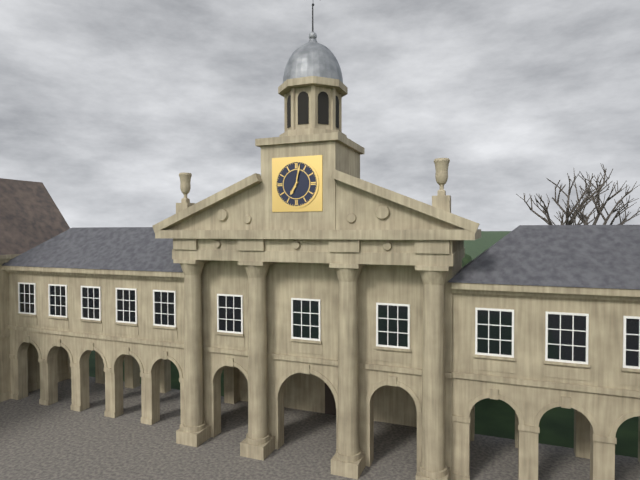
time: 7:02
